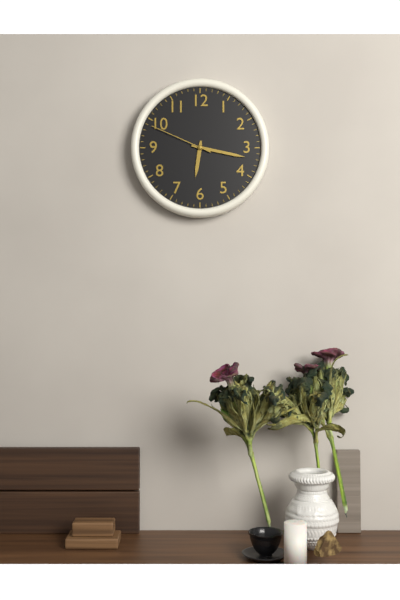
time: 6:17:49
